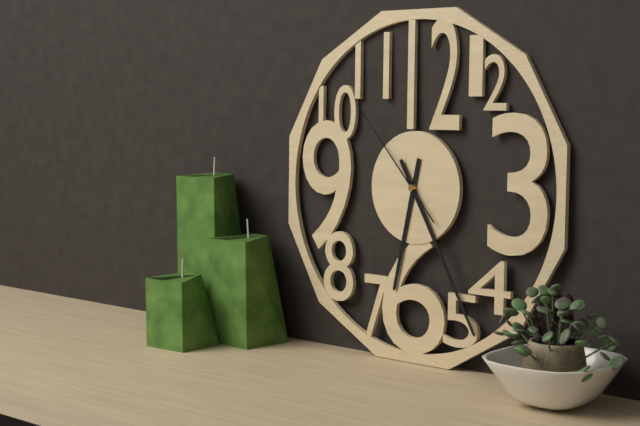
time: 6:25:53
